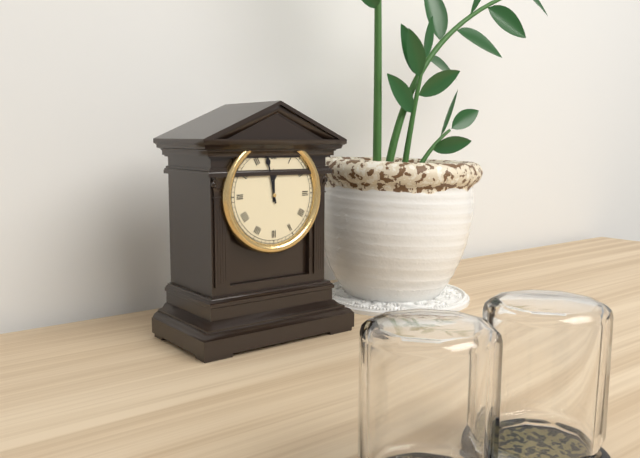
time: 11:58
